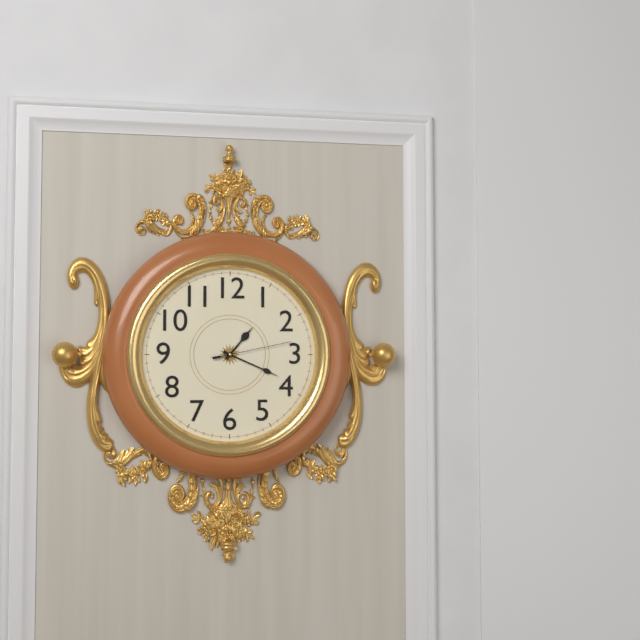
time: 1:19:13
